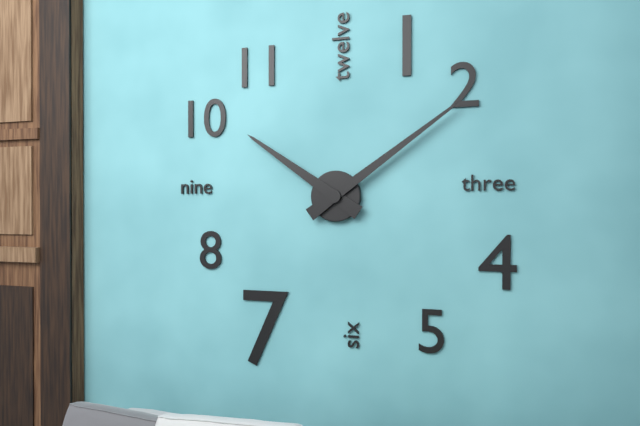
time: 10:09
